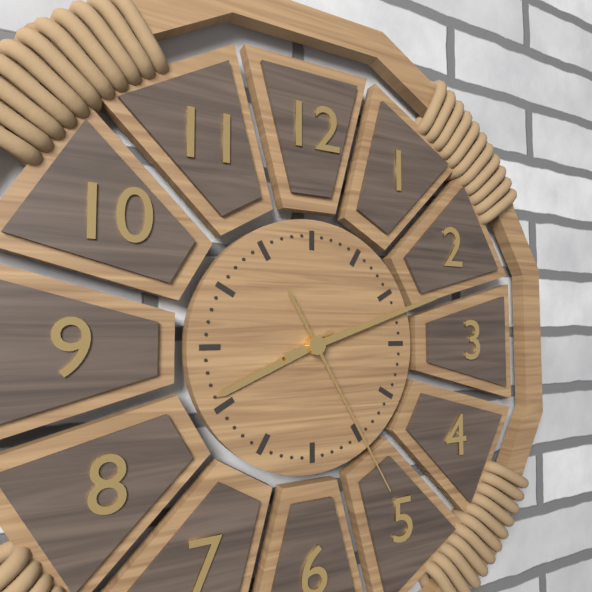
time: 8:12:25
